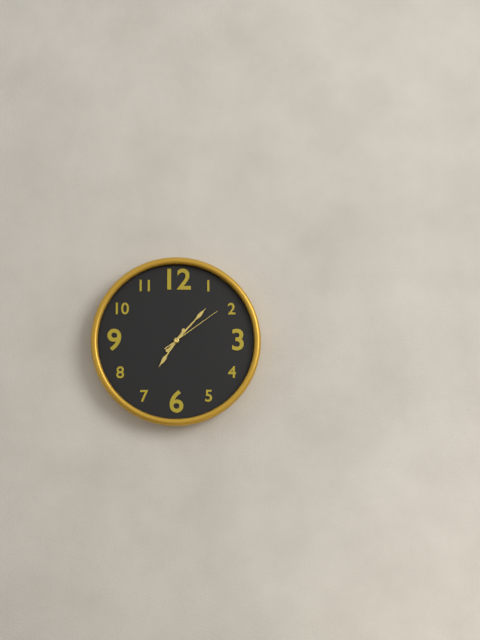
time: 7:07:09
